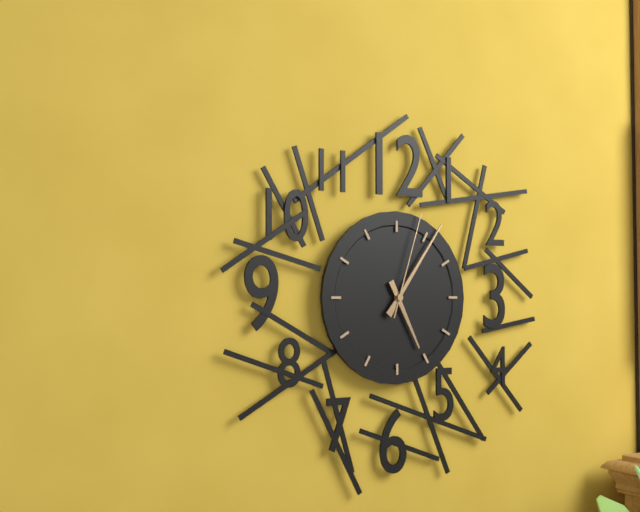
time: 5:06:03
